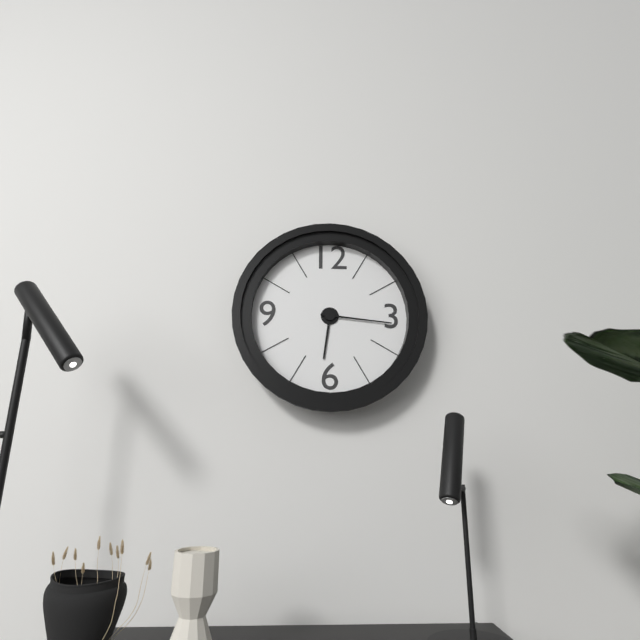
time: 6:16
